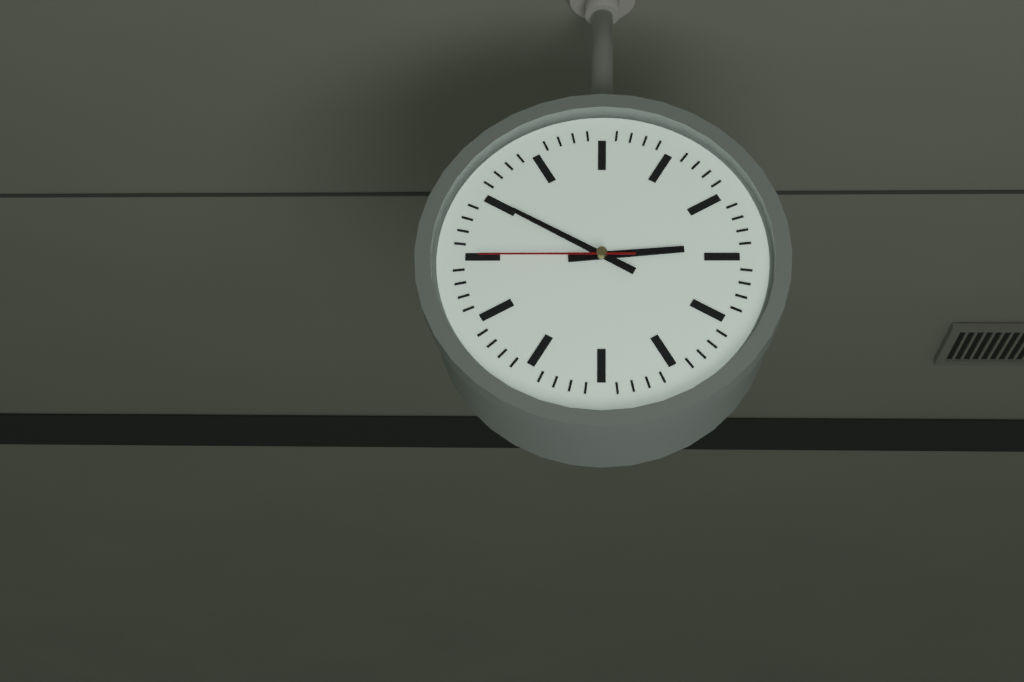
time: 2:50:45
